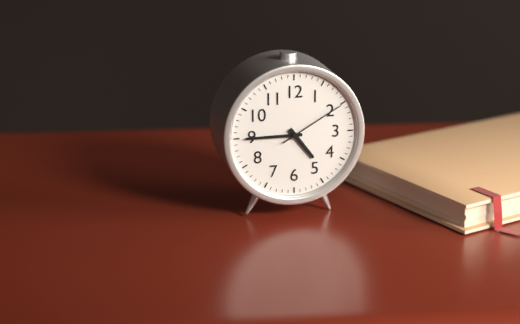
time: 4:45:10
